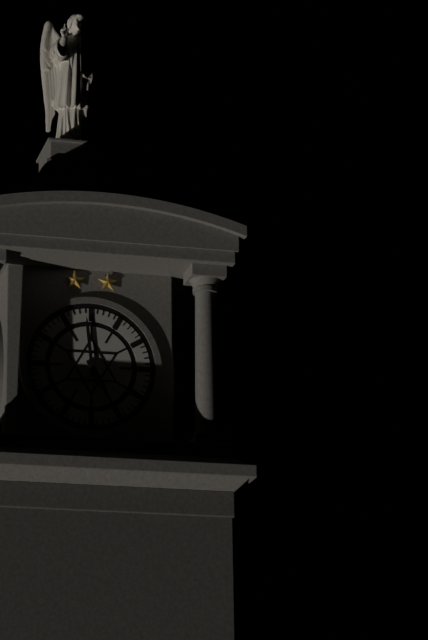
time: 4:59
